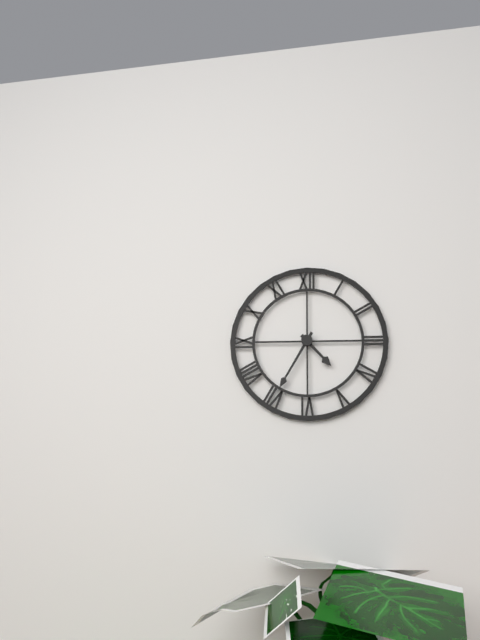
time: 4:35
